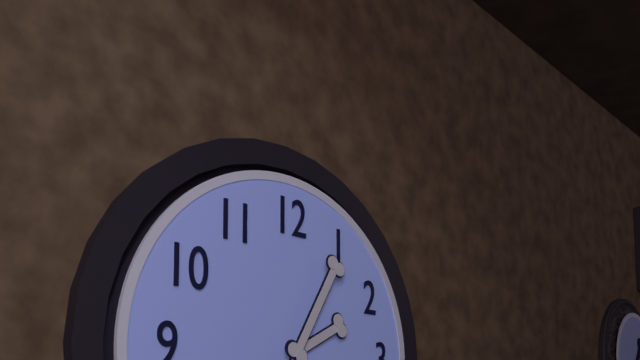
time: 2:05
